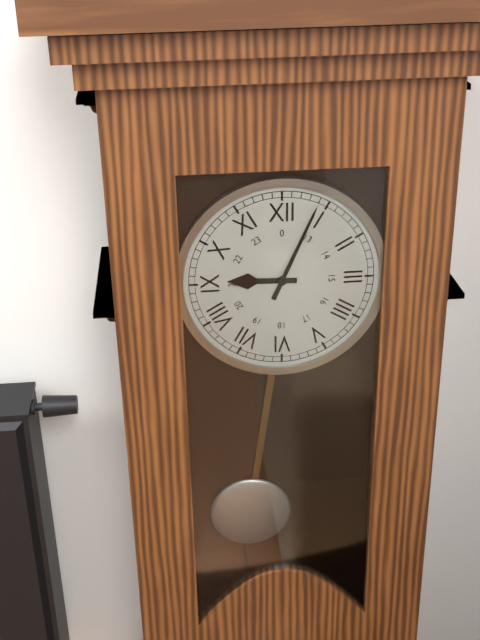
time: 9:04
